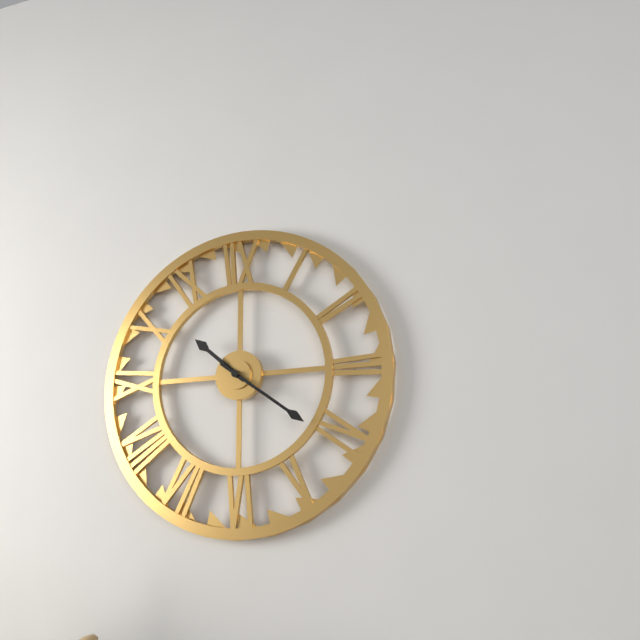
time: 10:21
